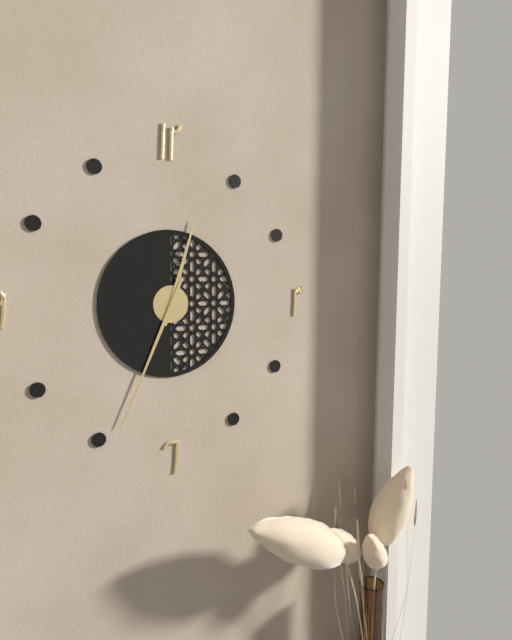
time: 12:34
